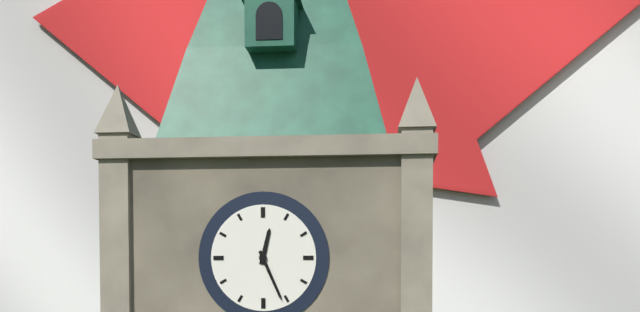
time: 12:26
